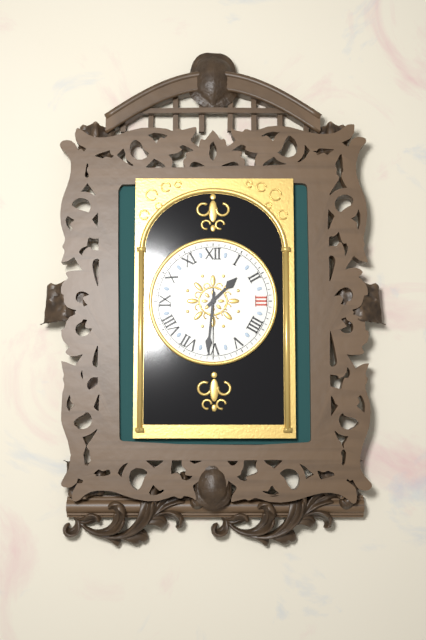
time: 1:31:30
